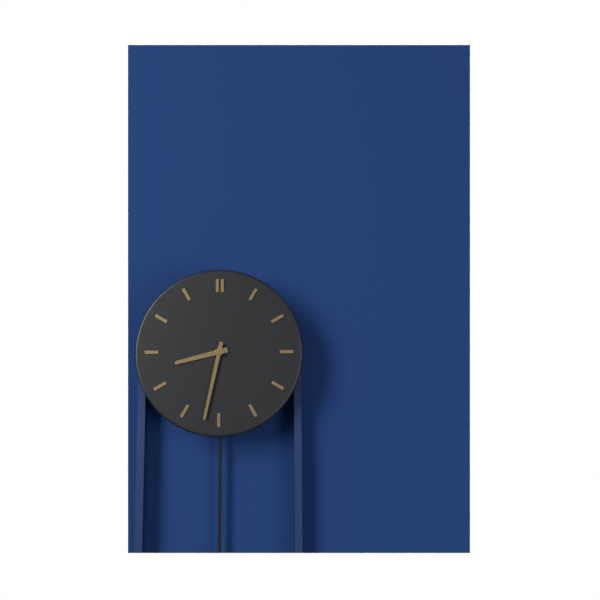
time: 8:32
